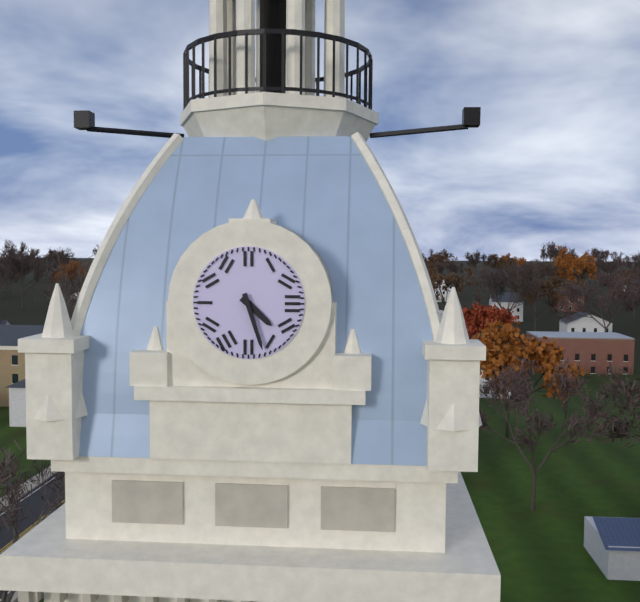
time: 4:27
